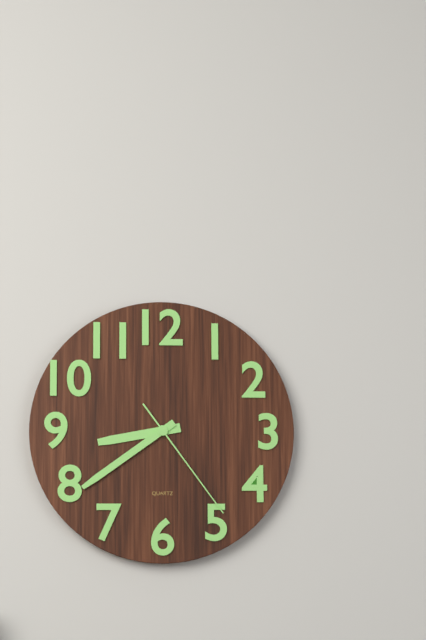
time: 8:39:24
